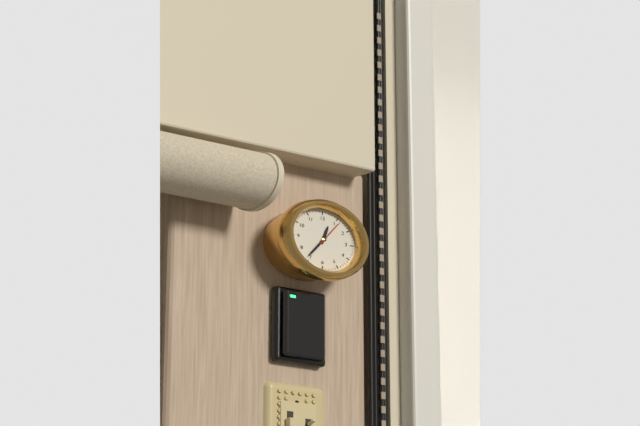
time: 12:36
